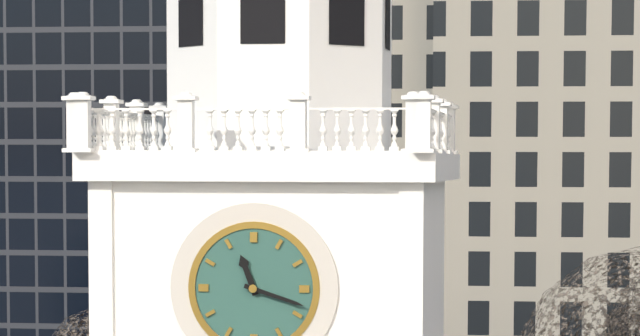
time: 11:18
